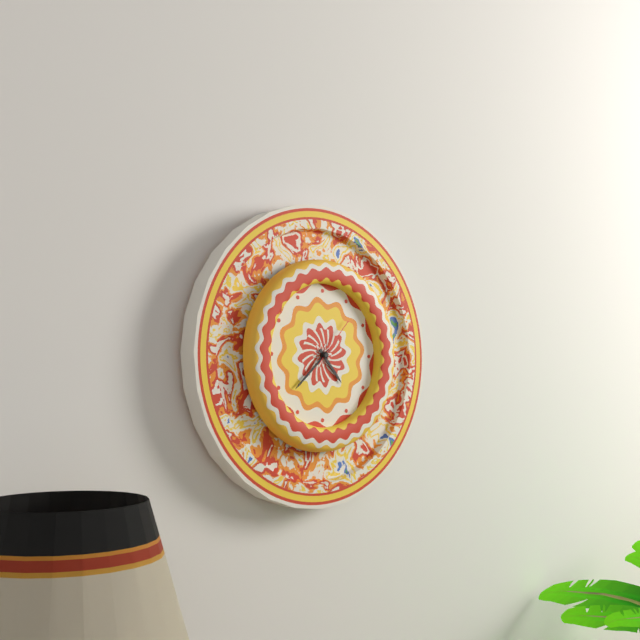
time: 4:38:07
